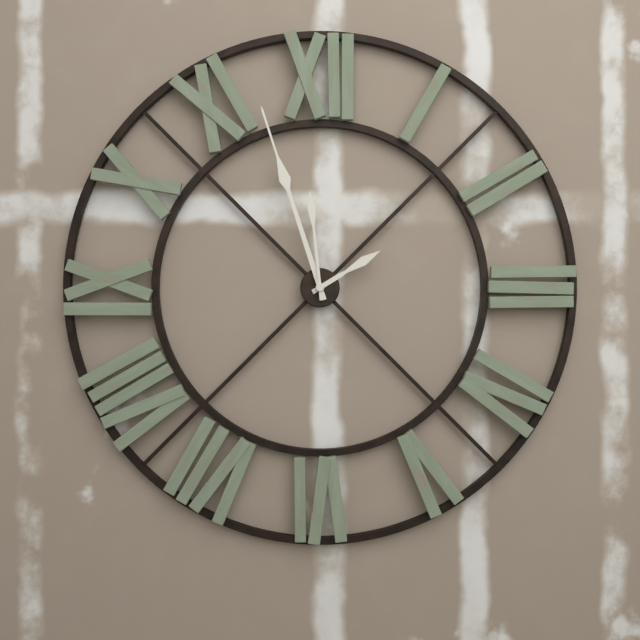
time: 1:57:59
